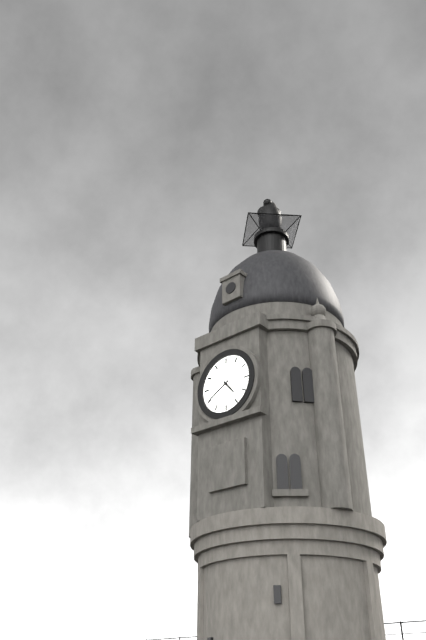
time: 4:40
